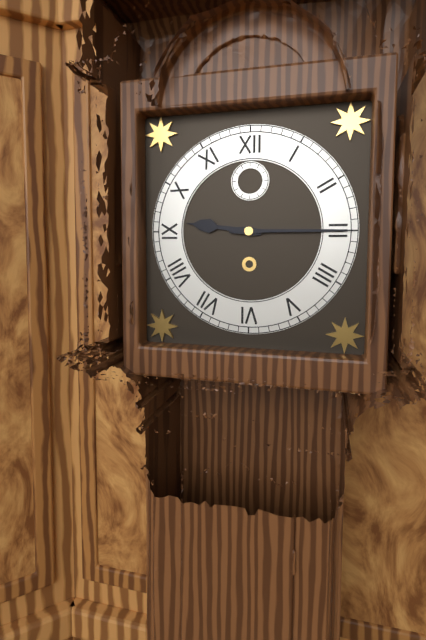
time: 9:15
